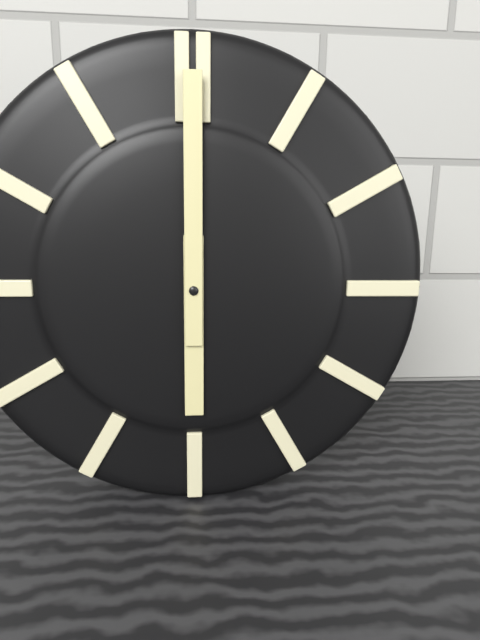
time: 6:00
